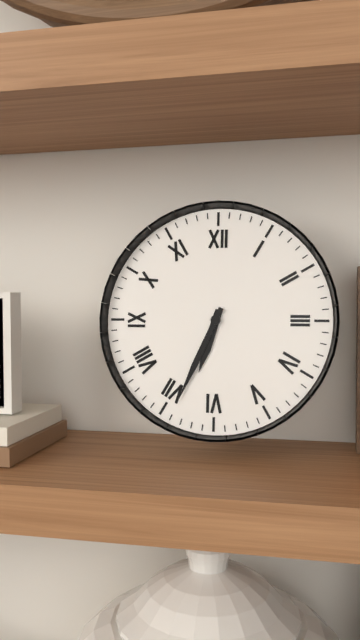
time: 6:34
